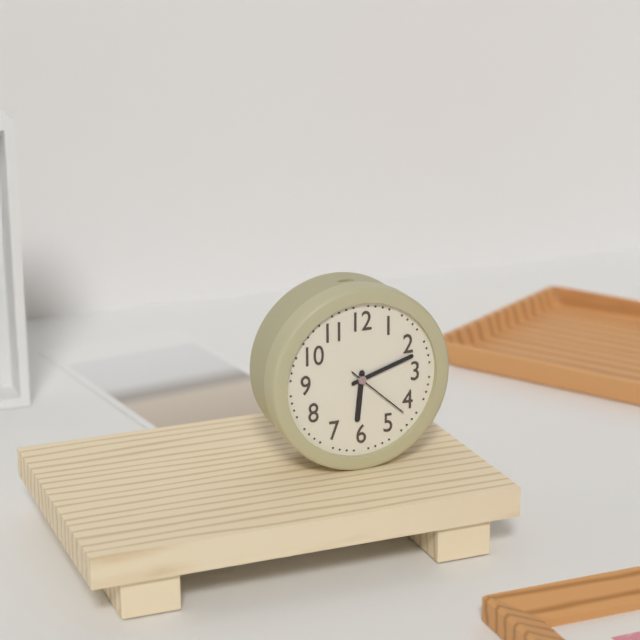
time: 6:12:22
